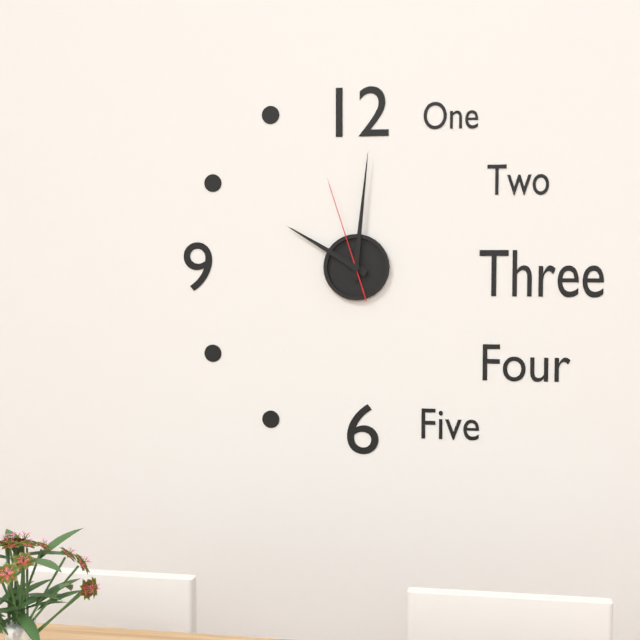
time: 10:01:57
